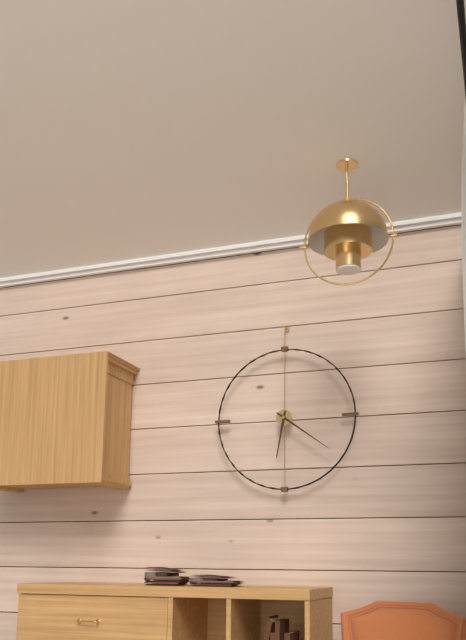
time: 6:21
